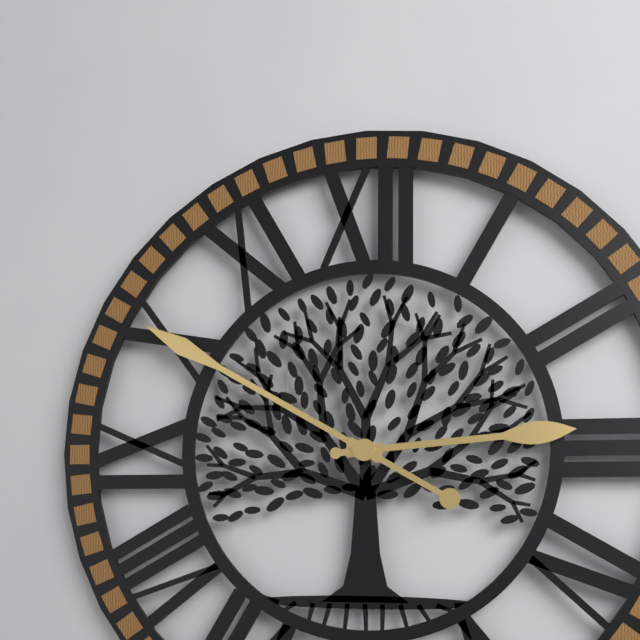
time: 2:50
